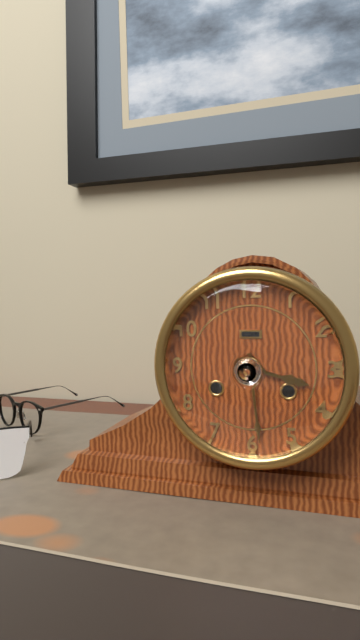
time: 3:29
